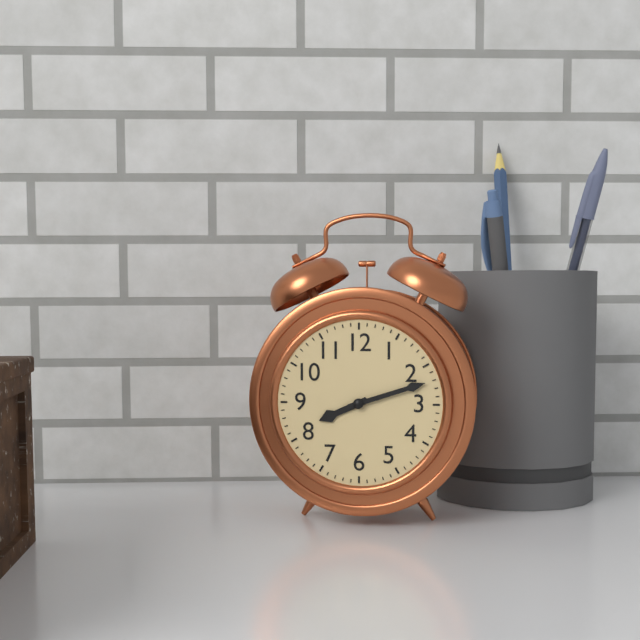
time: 8:12
